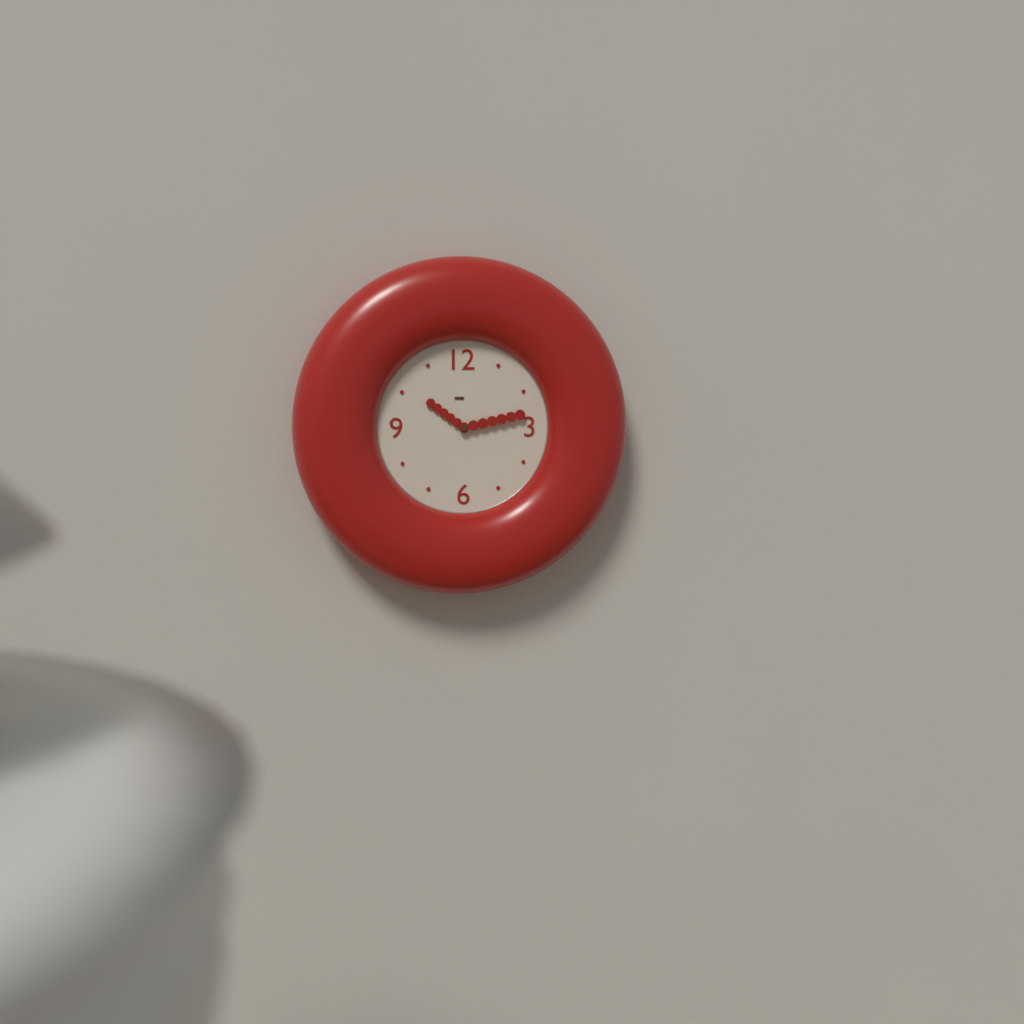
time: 10:13
